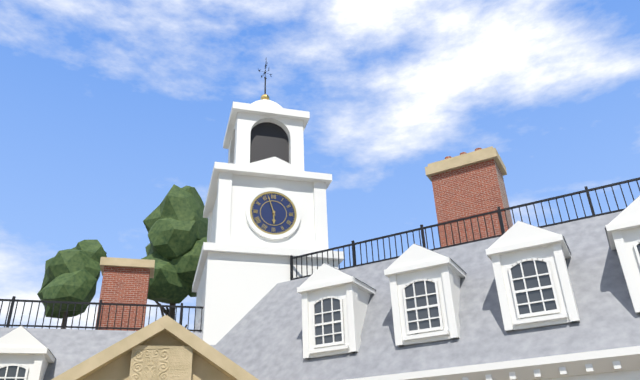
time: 5:57
